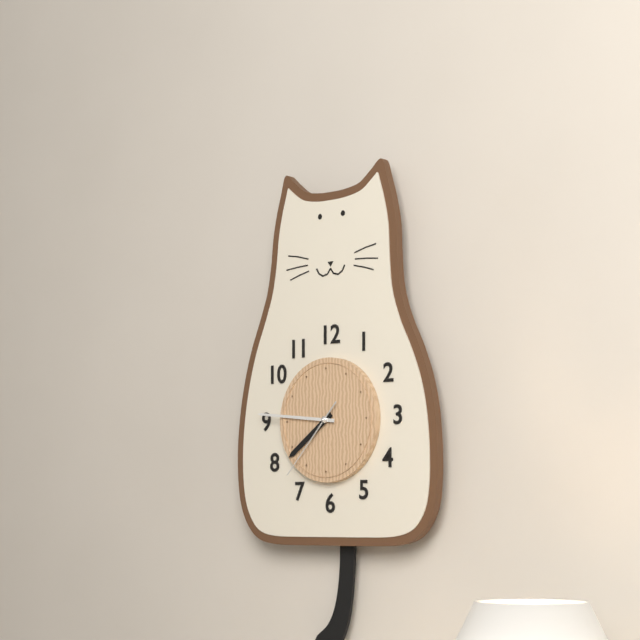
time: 7:46:37
